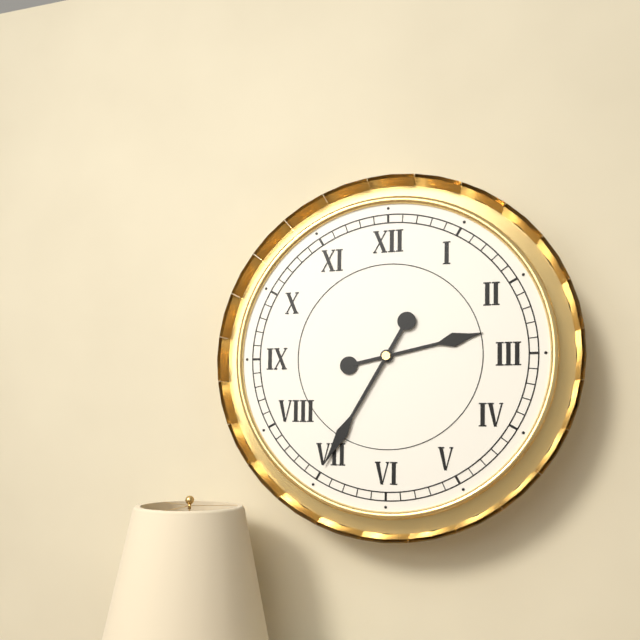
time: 2:35
